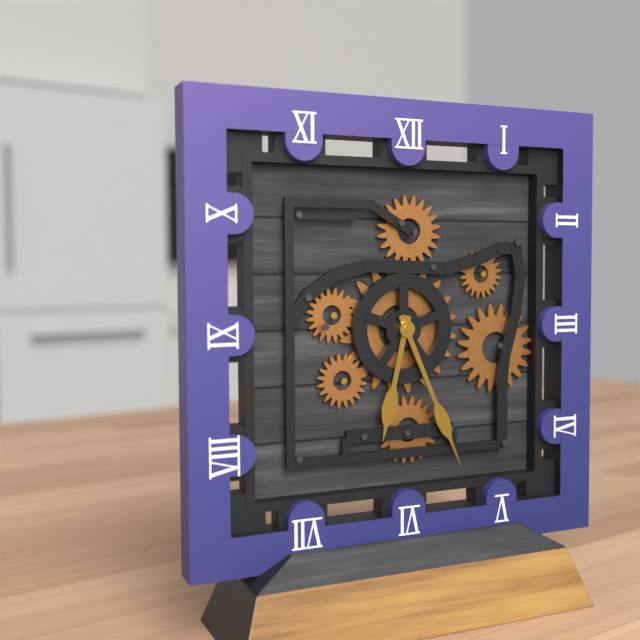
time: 6:26
